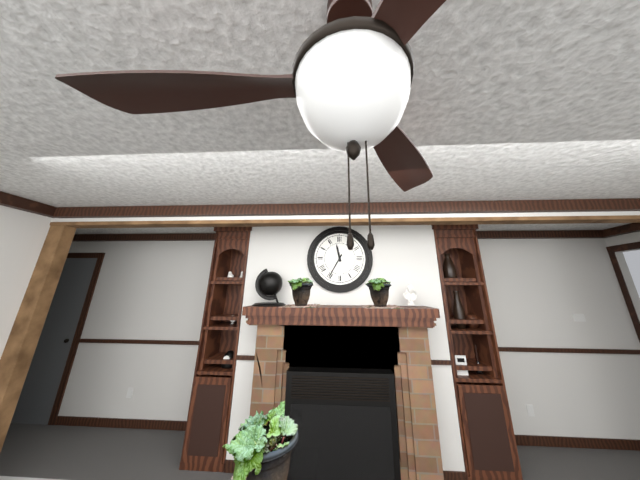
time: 11:35
